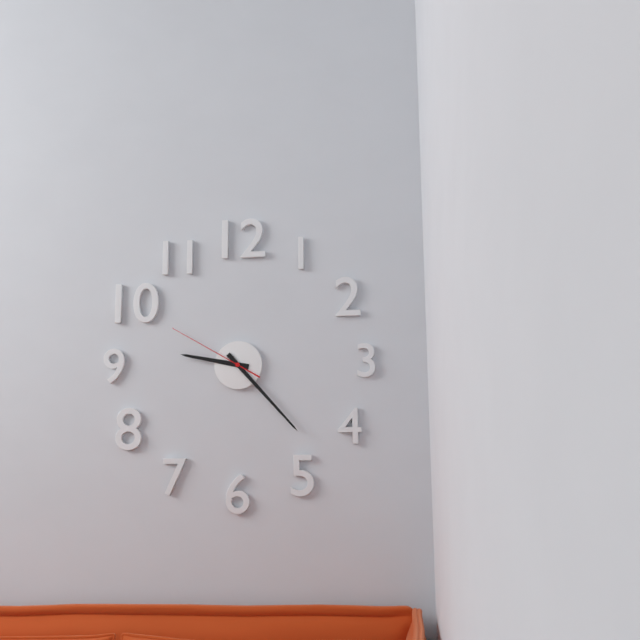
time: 9:23:50
